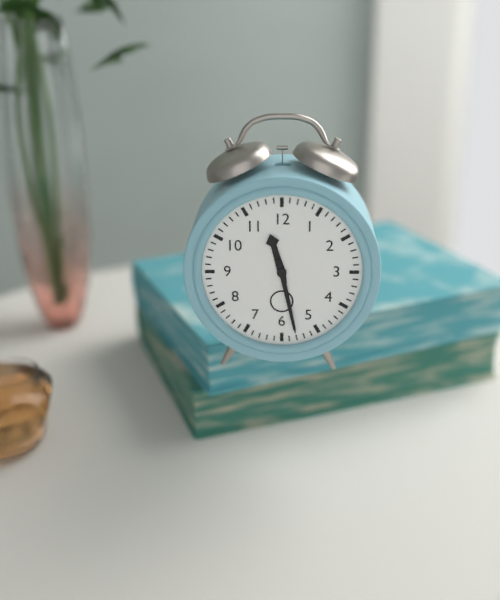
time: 11:28
